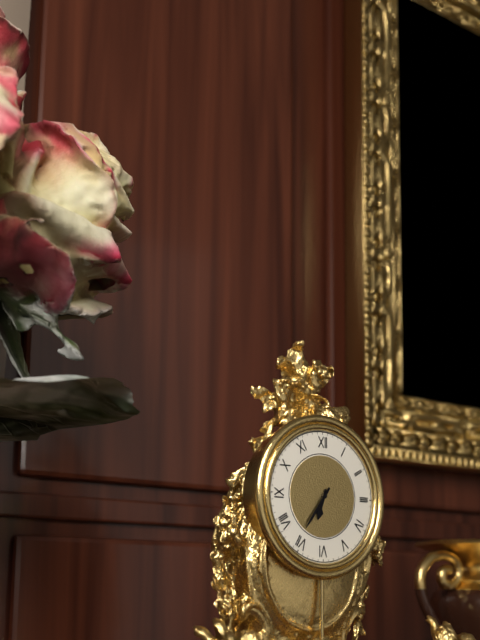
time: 6:36
